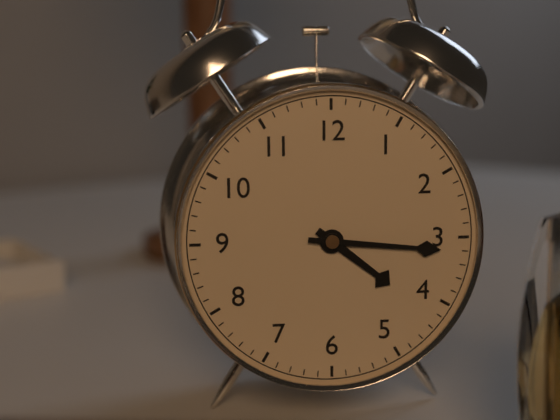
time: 4:16
